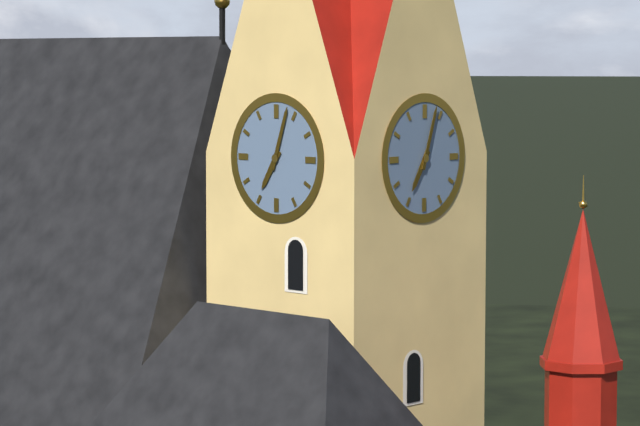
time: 7:03
